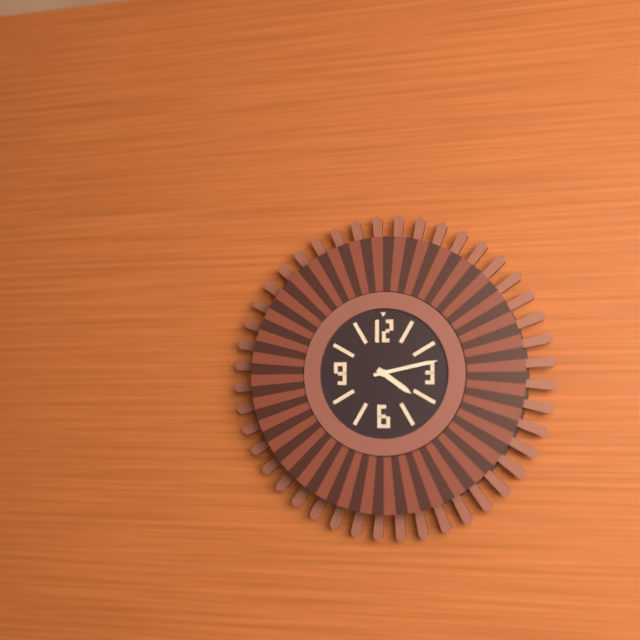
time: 4:13
